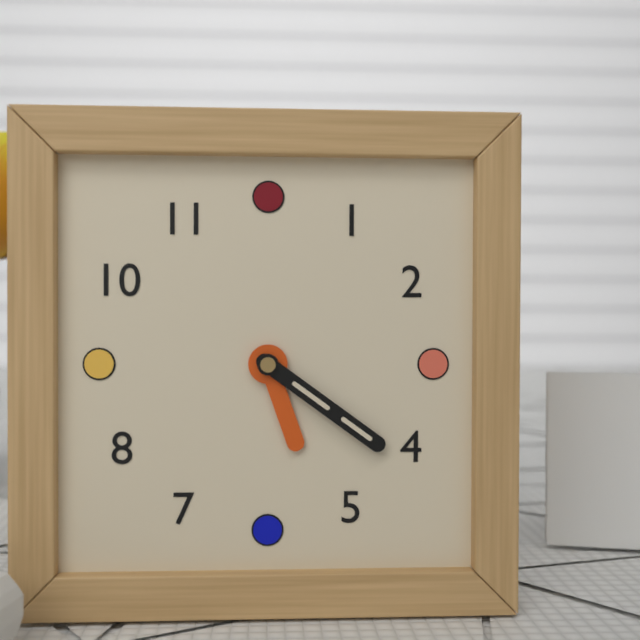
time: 5:21
